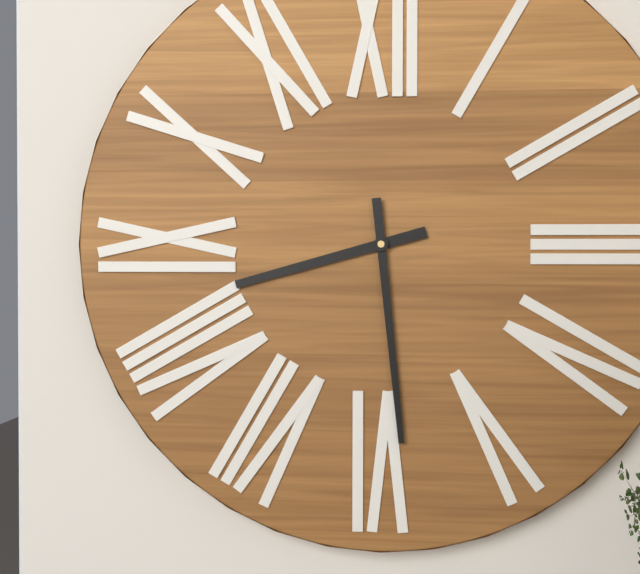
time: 8:29
